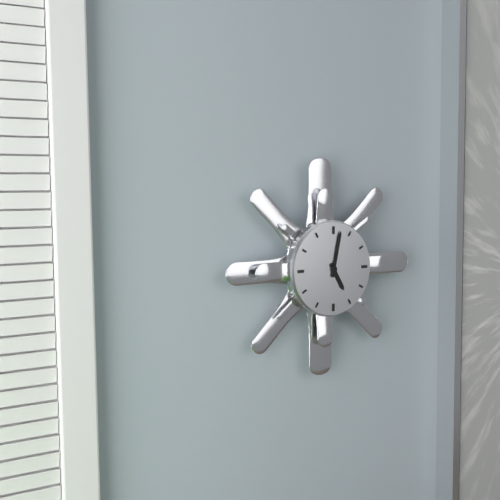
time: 5:02
